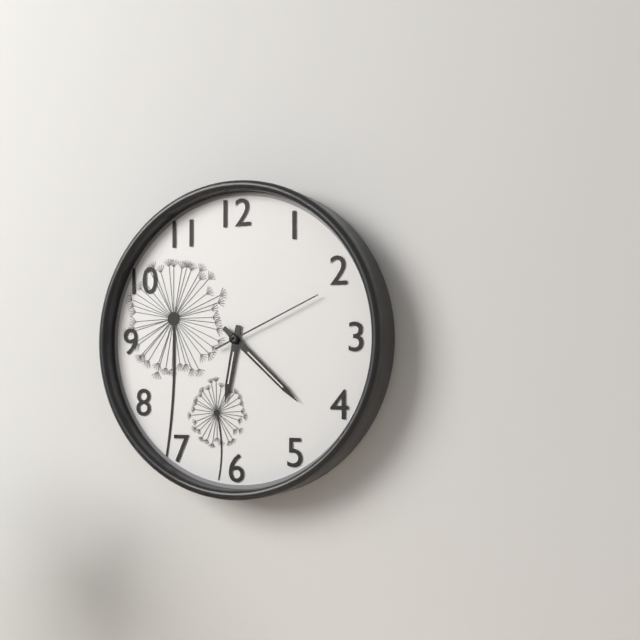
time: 6:22:11
